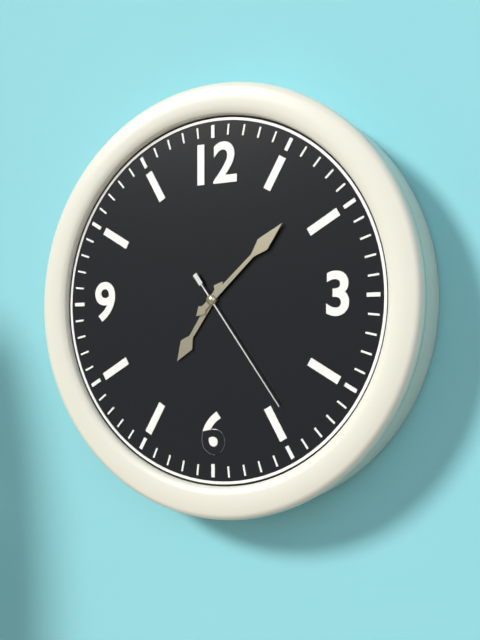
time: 7:08:24
